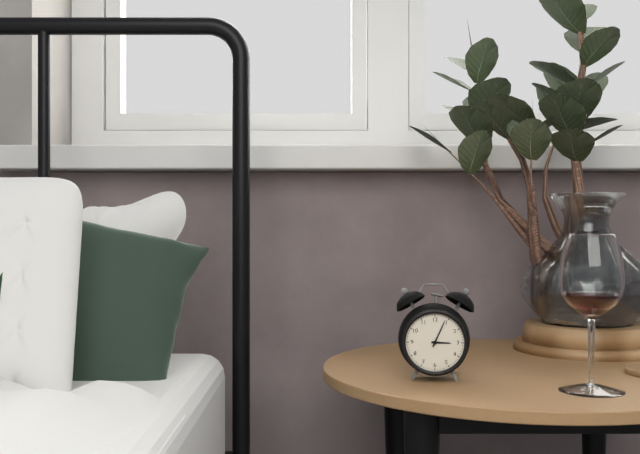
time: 3:04
